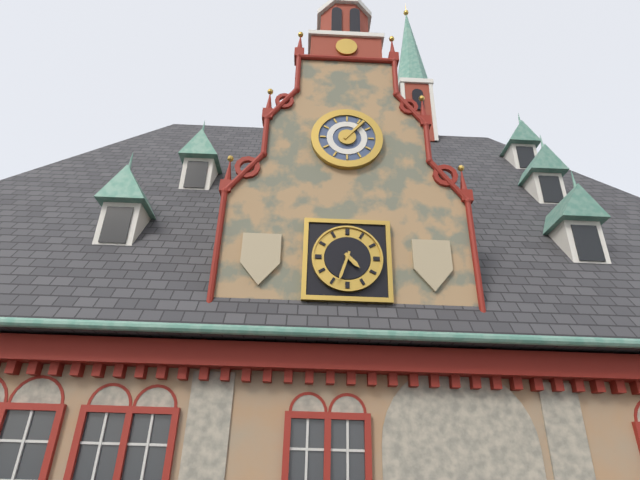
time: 4:33
